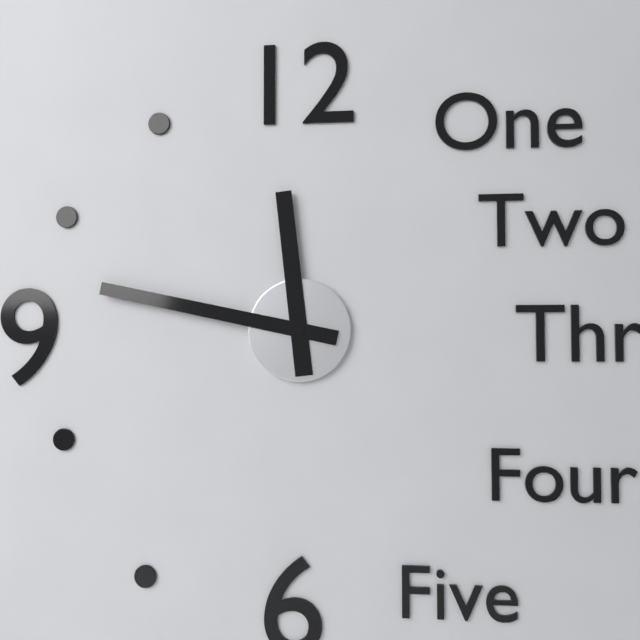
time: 11:47
